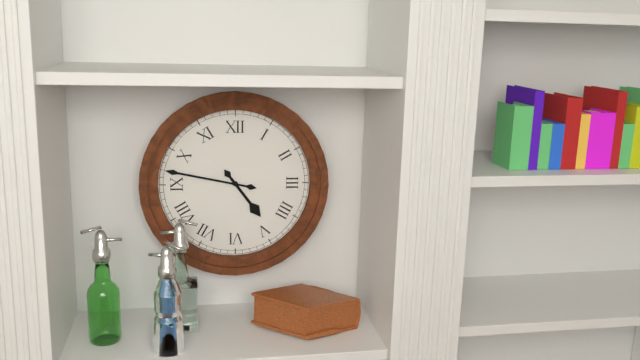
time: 4:47
